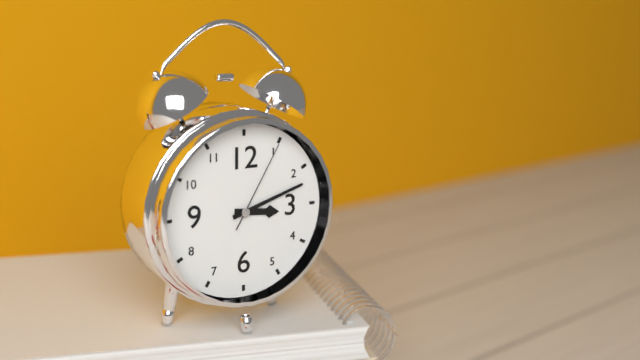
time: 3:12:05
